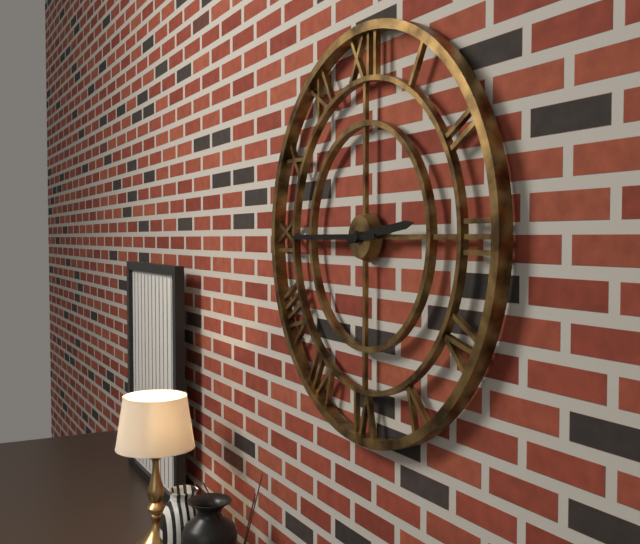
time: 2:45
